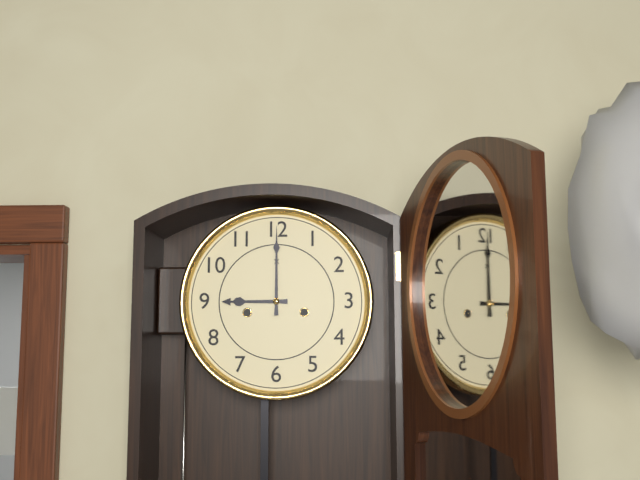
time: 9:00
